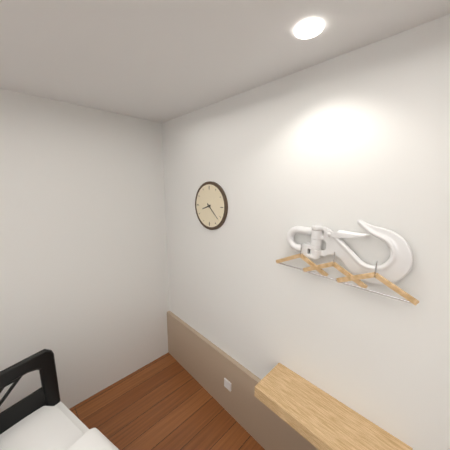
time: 8:22
